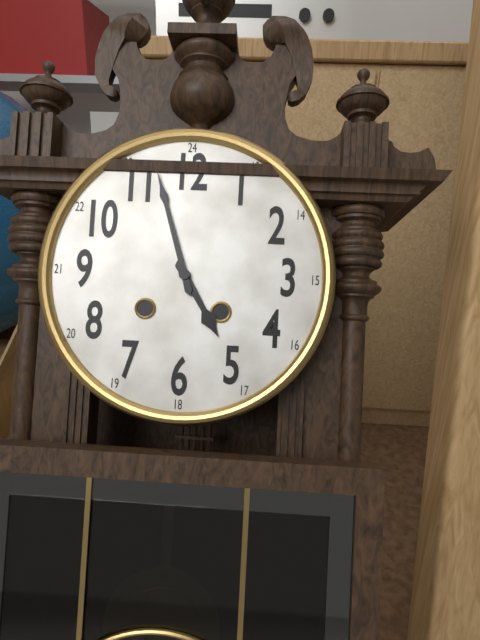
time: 4:57
